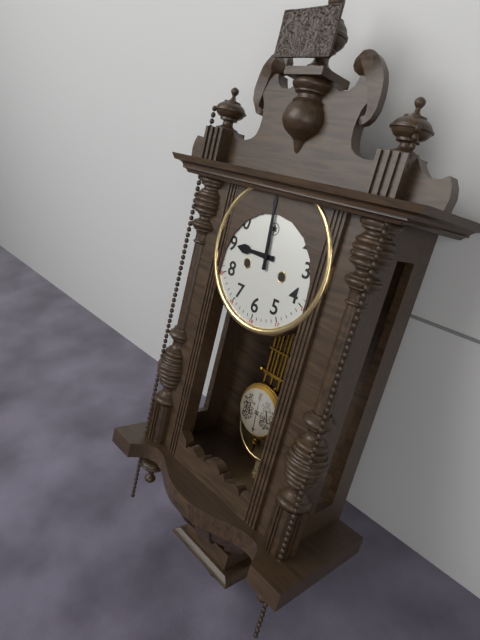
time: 8:59
